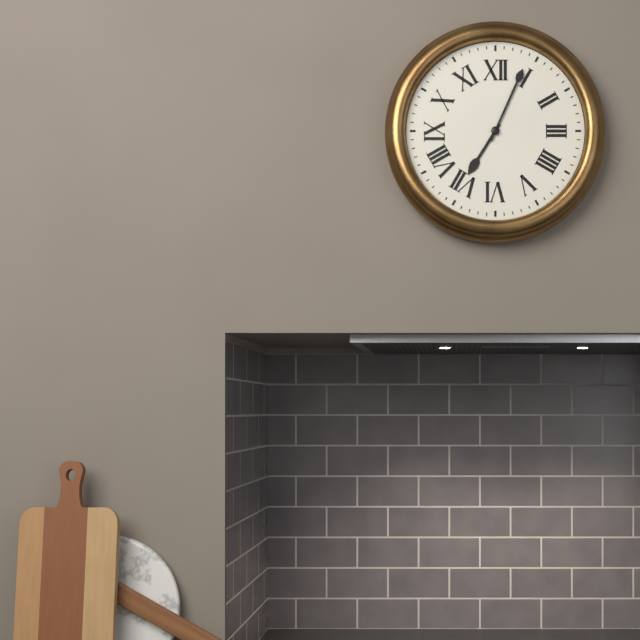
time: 7:04
